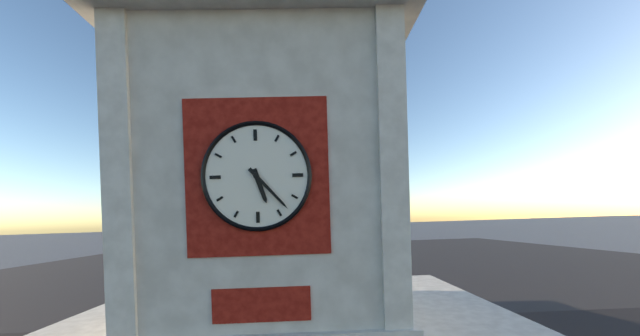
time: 5:23
